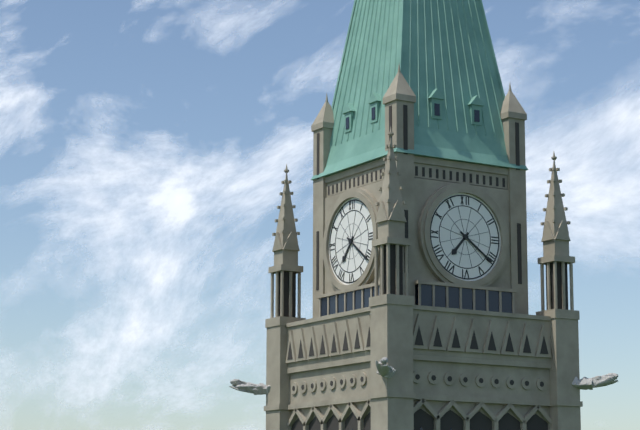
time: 7:21
